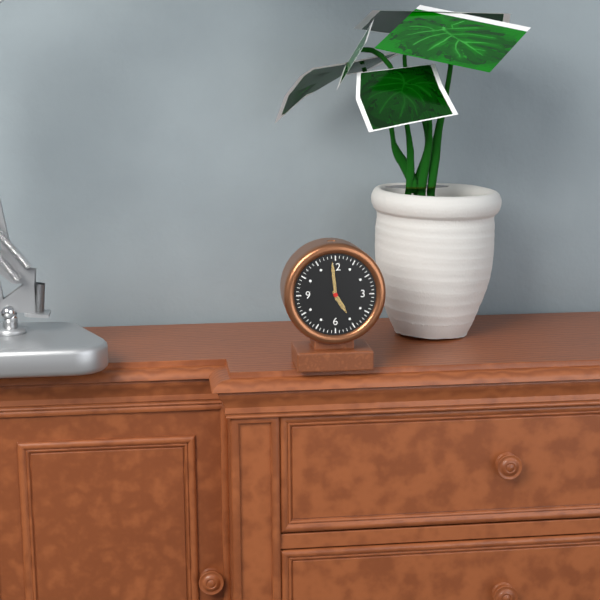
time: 4:59
